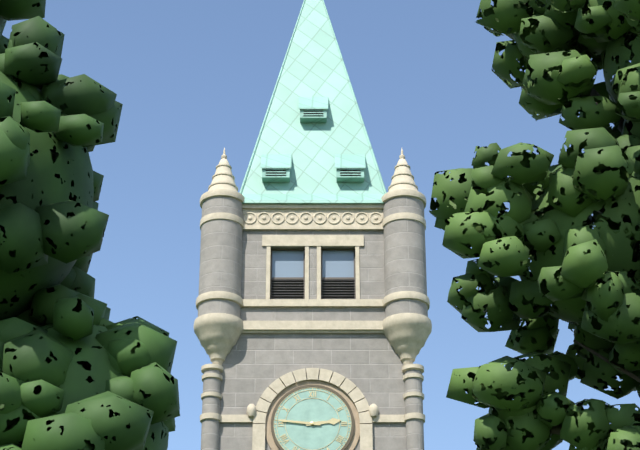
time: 2:46
